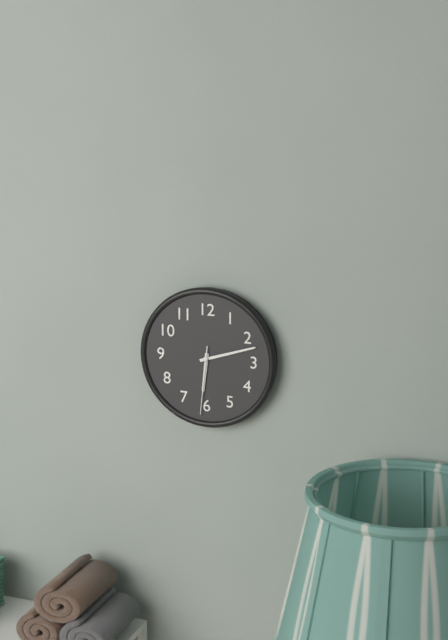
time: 6:12:31
